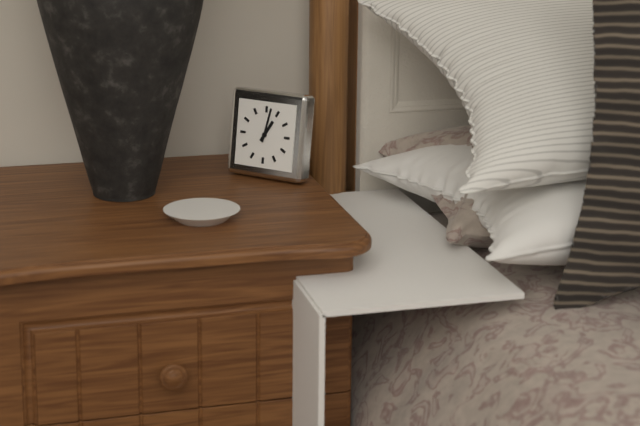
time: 1:02
